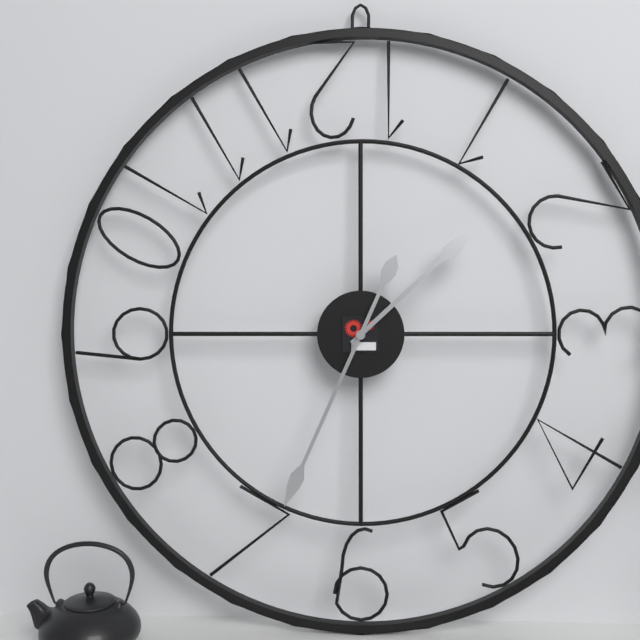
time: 1:34
